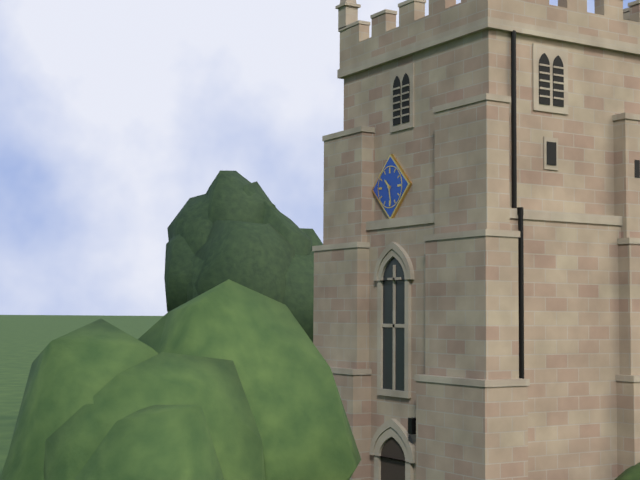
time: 10:28
